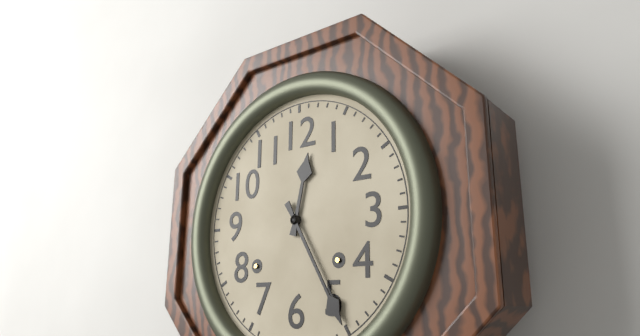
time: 12:25
